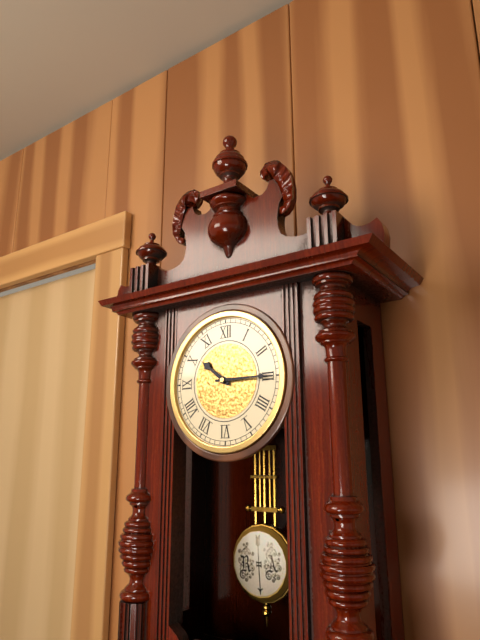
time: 10:15
